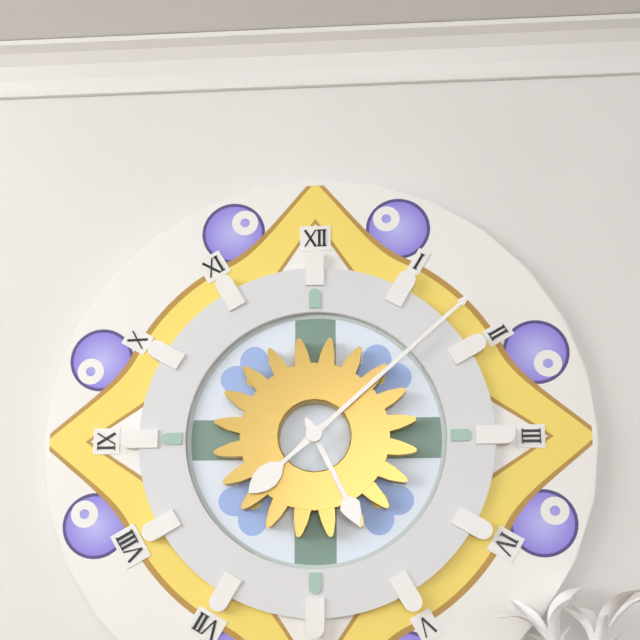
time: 5:08
